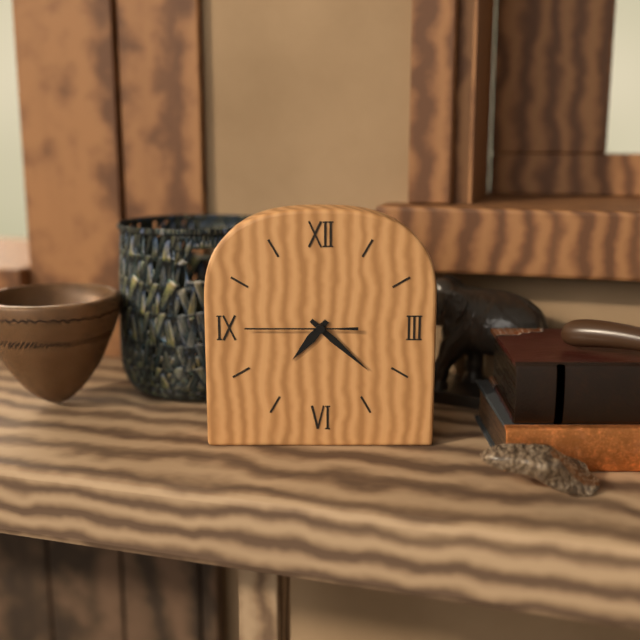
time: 7:22:45
